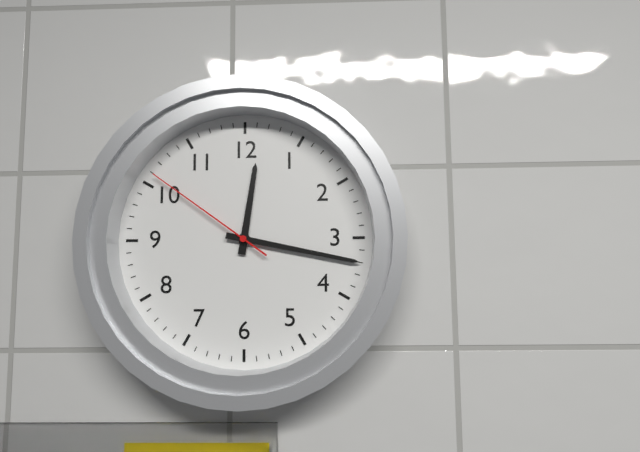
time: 12:17:51
